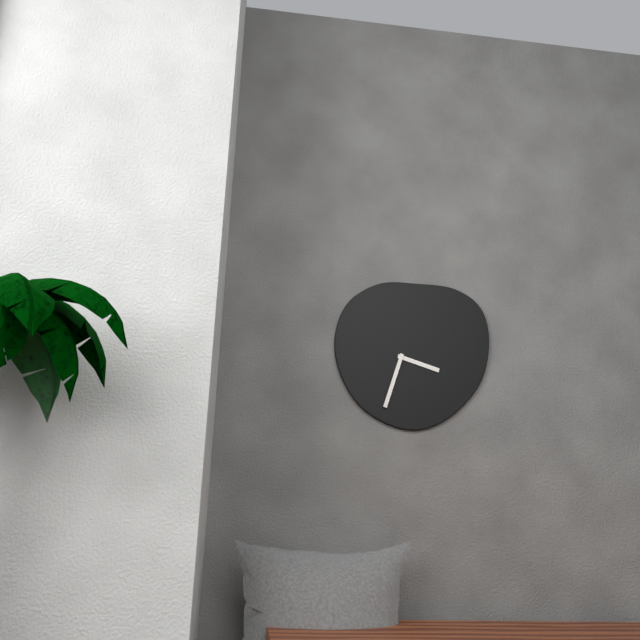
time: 3:33
